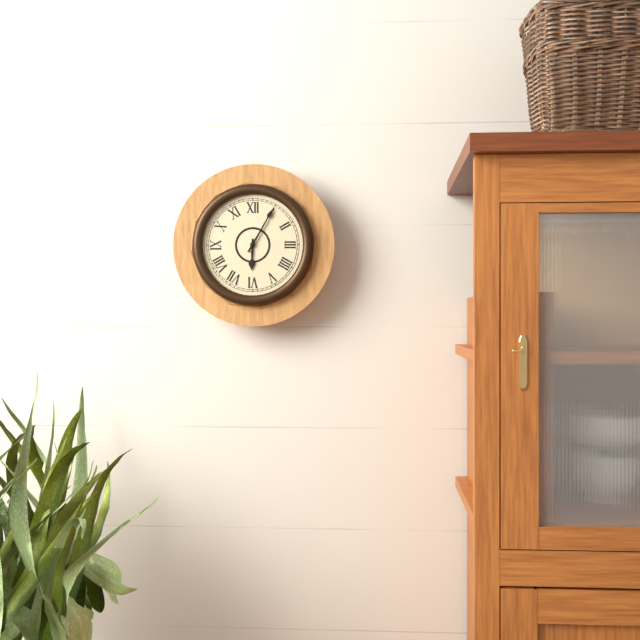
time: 6:05
